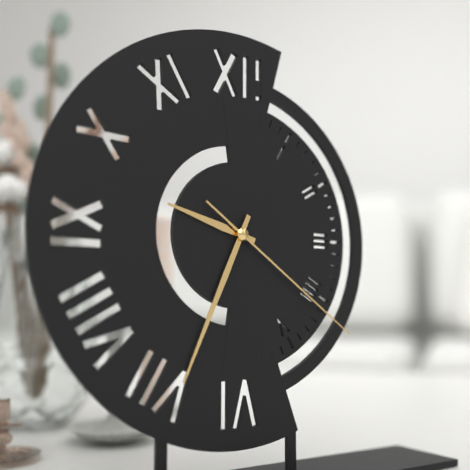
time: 9:34:21
